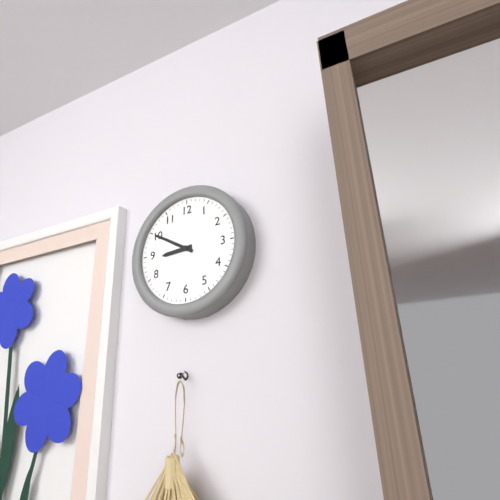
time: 8:50
